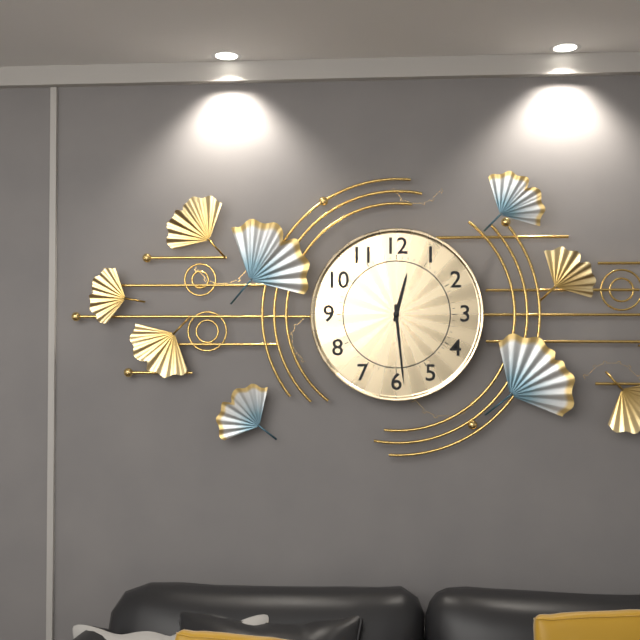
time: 12:29
